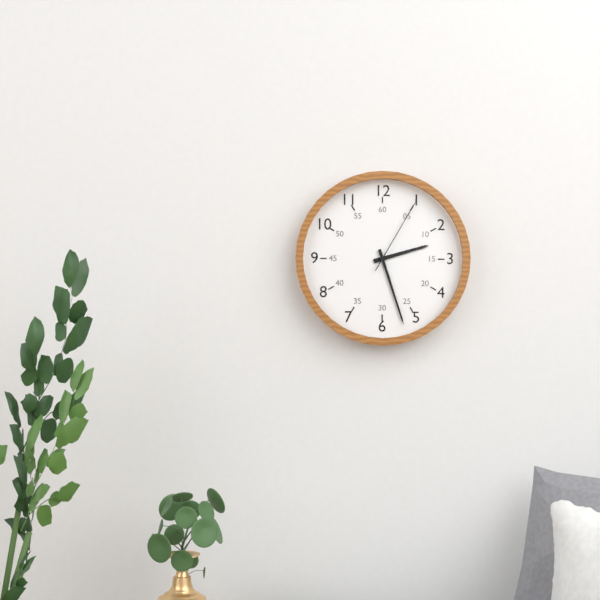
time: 2:27:05
